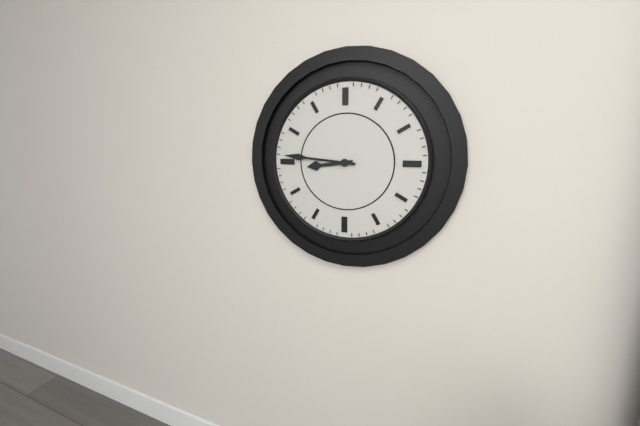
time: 8:46
